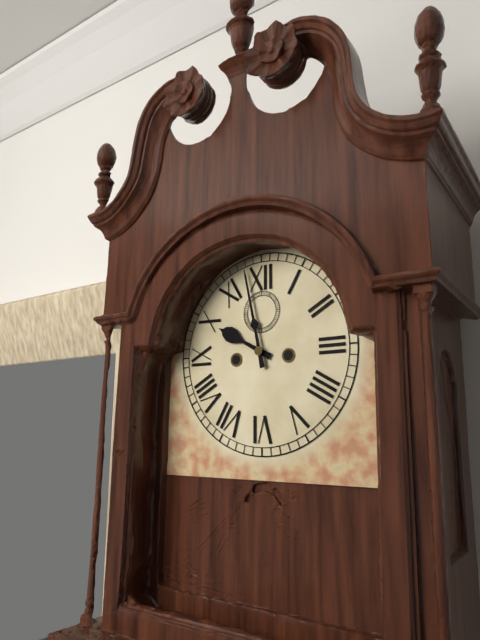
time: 9:58
